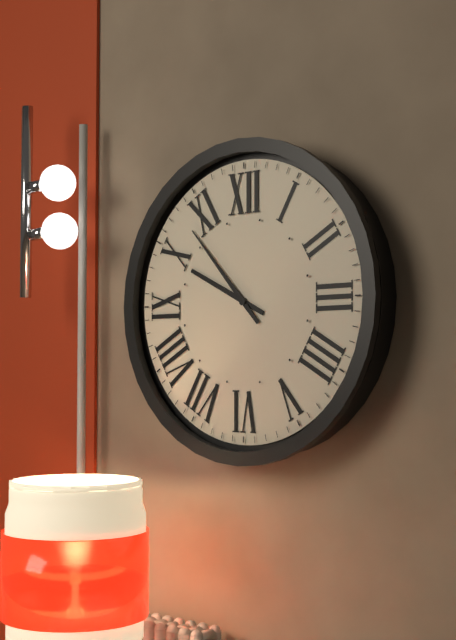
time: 9:53
